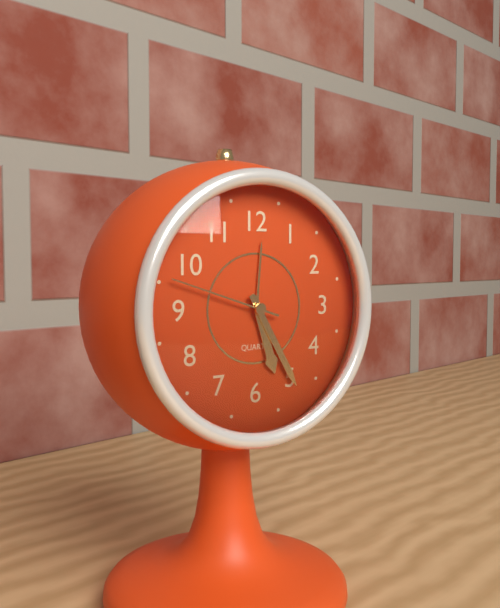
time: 5:25:48
